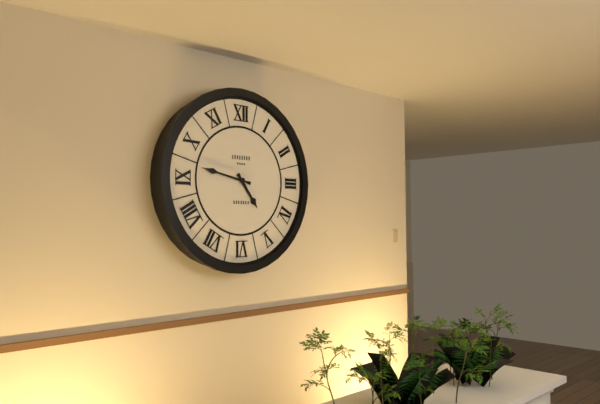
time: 4:47
